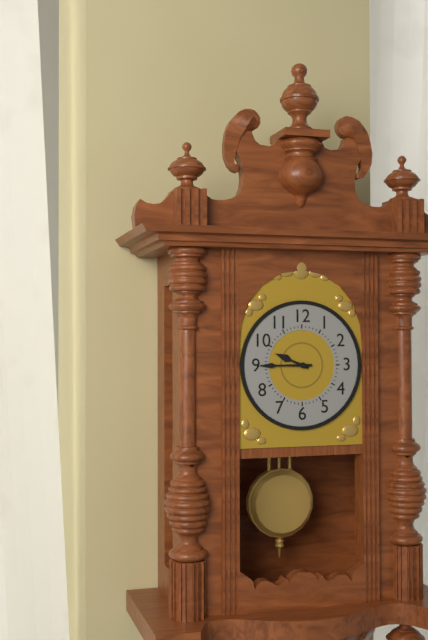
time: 9:45
